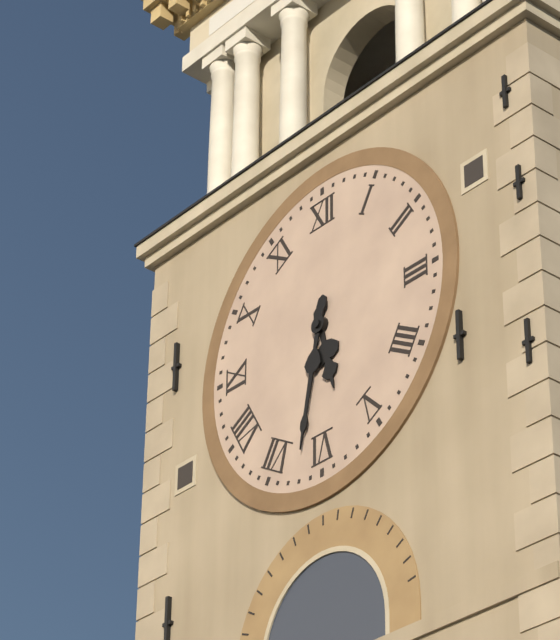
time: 5:32
